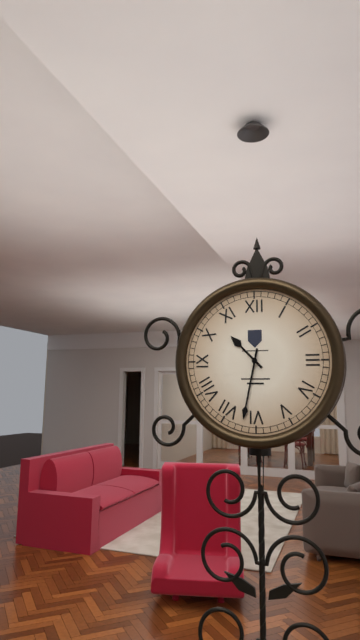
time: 10:32
